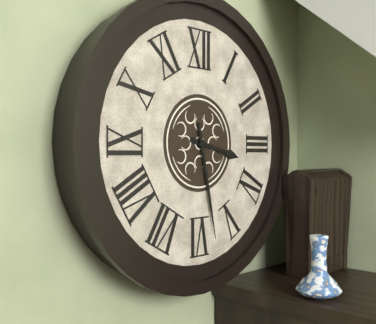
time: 3:28
